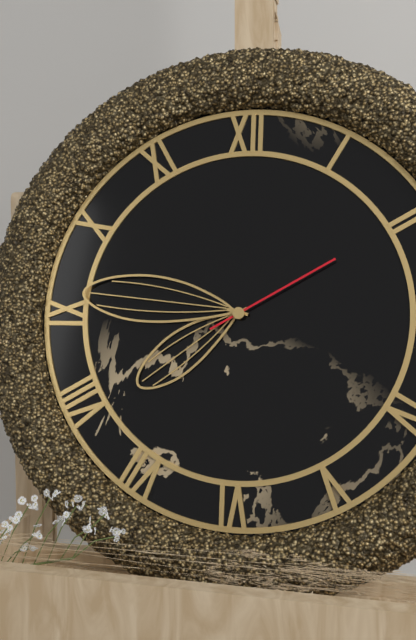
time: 7:46:10
